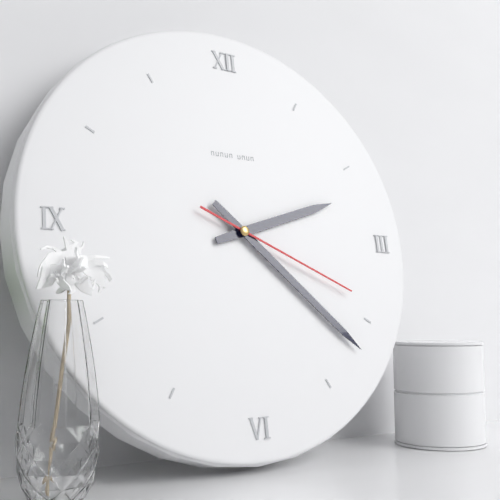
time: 2:22:19
